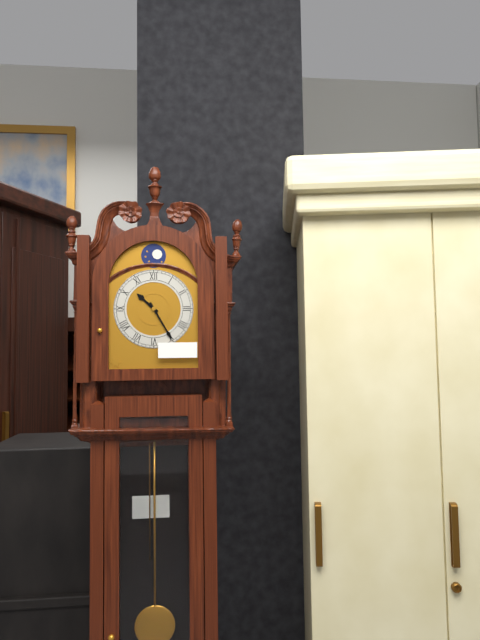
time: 10:25
